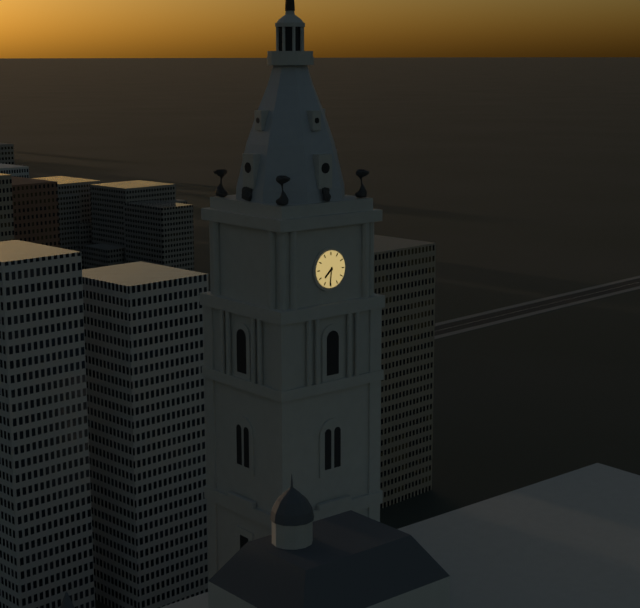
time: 7:31
